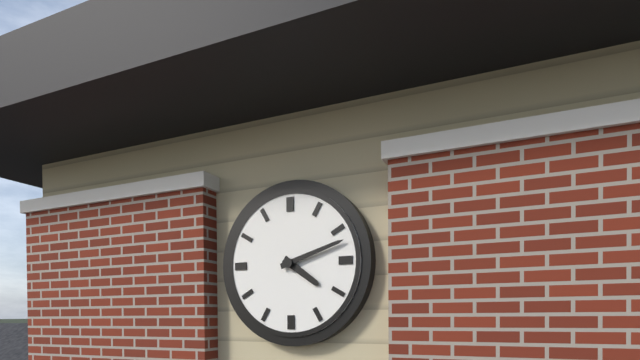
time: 4:12
